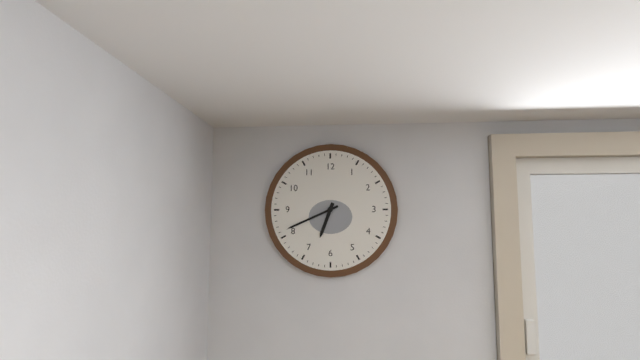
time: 6:41
